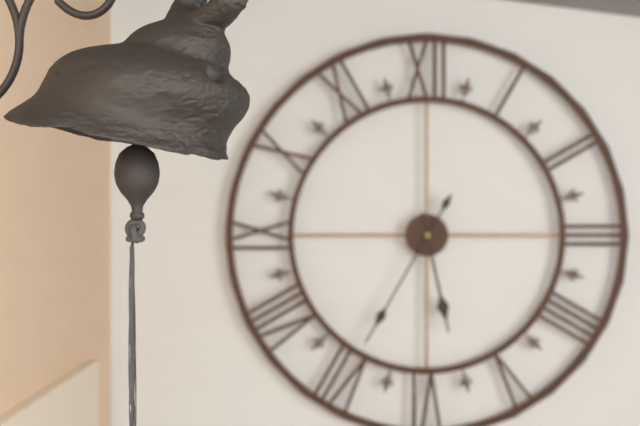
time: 5:35
